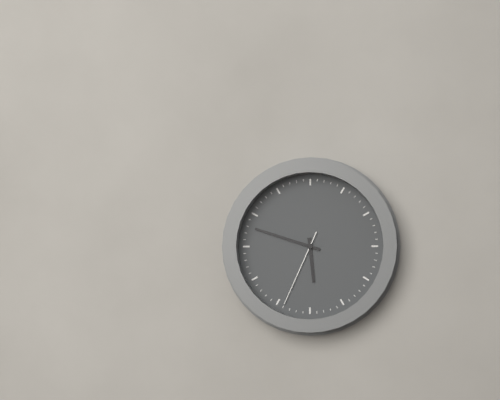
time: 5:48:34
